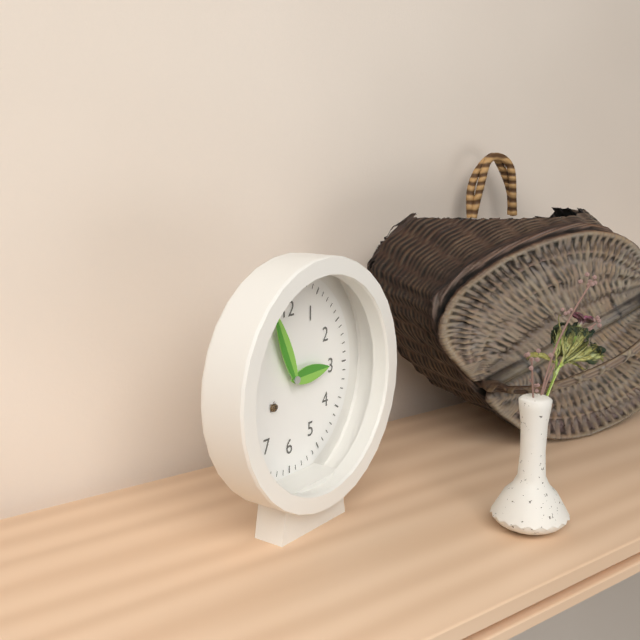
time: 2:56
